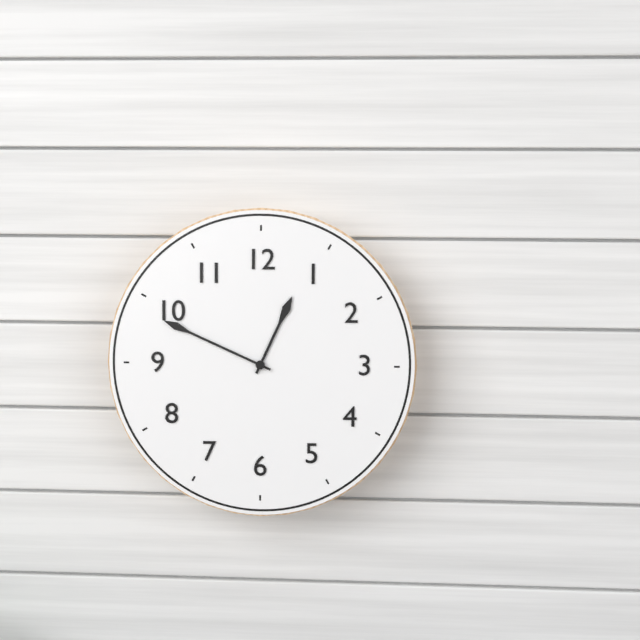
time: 12:49
